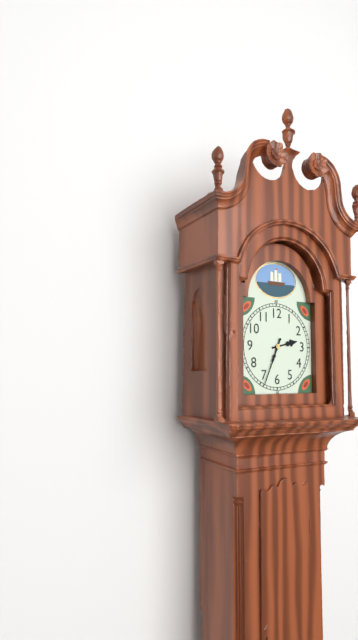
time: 2:34
